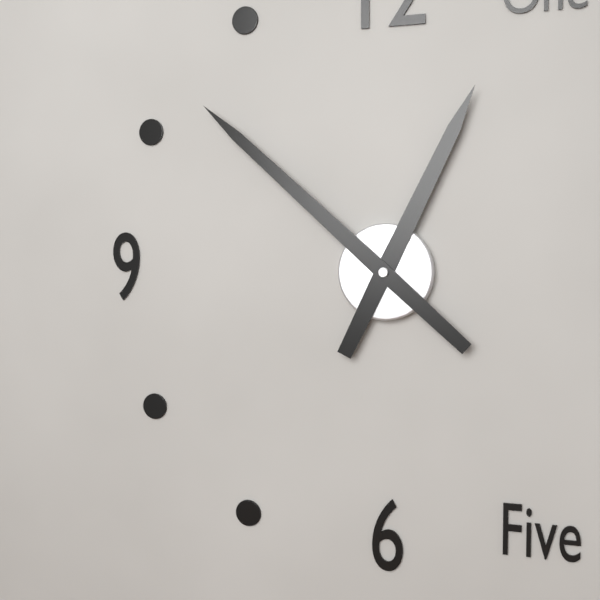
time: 12:52
